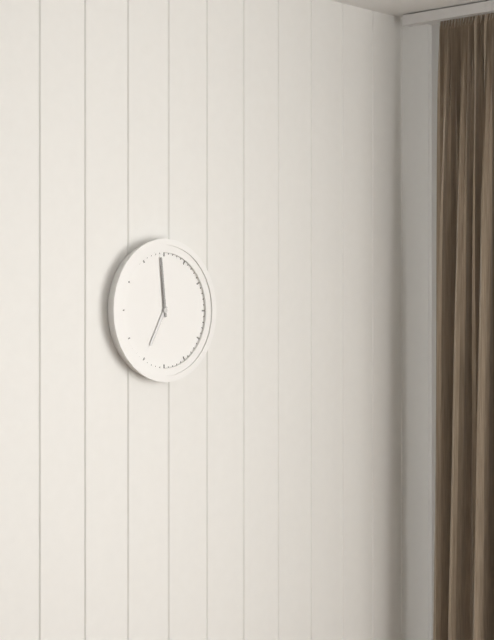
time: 6:59
